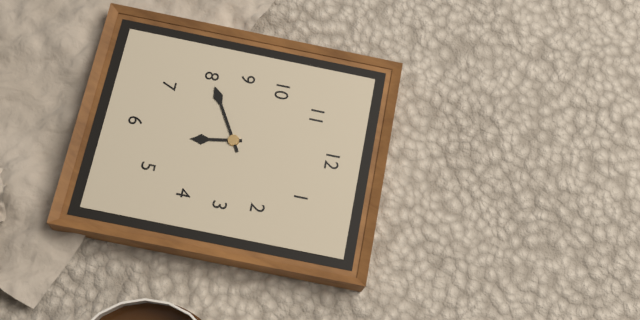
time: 5:40
